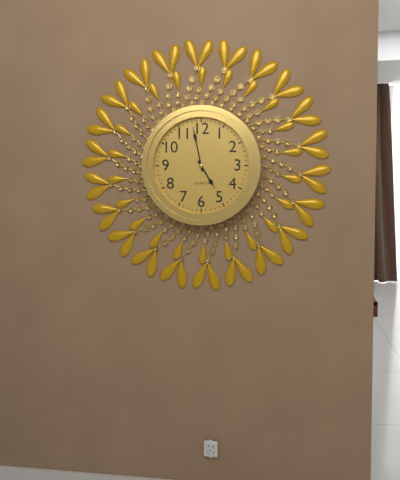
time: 4:58
